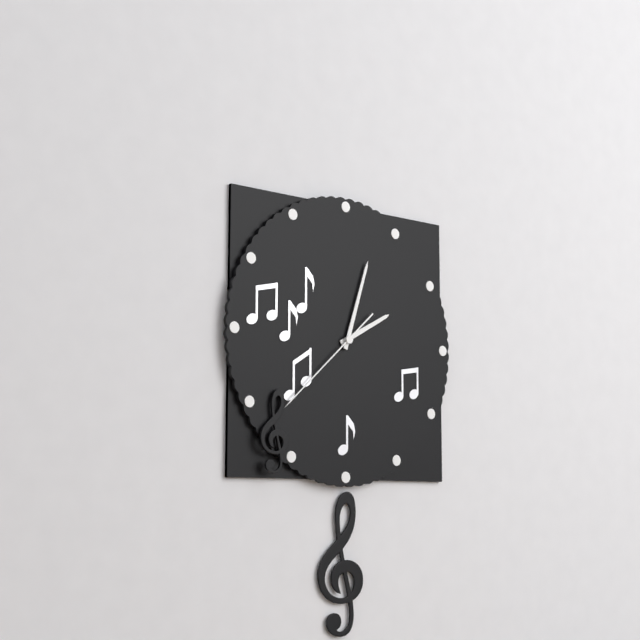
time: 2:03:38
